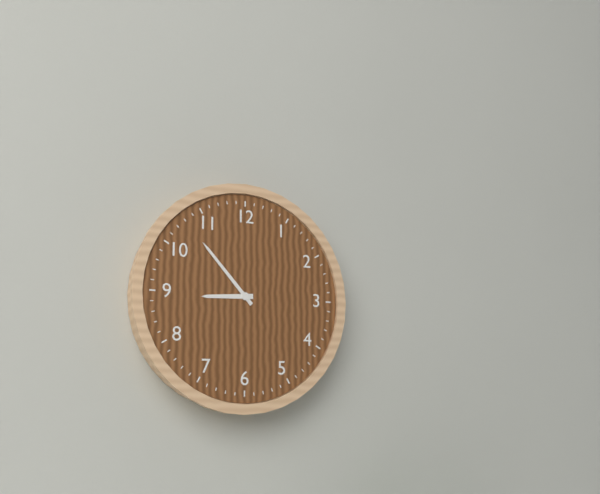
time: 8:53
